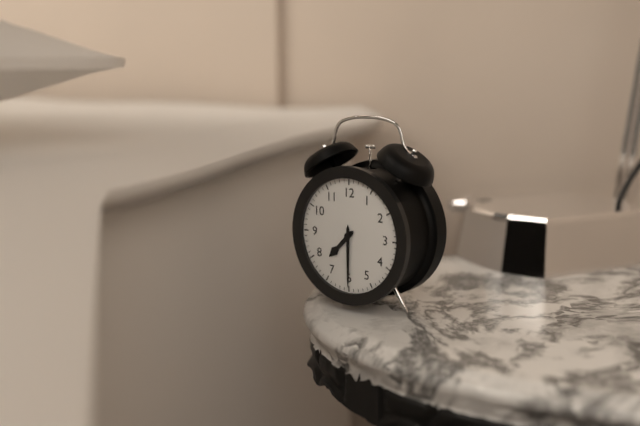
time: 7:30
